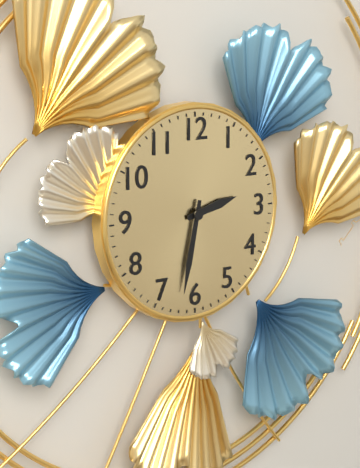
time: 2:32
